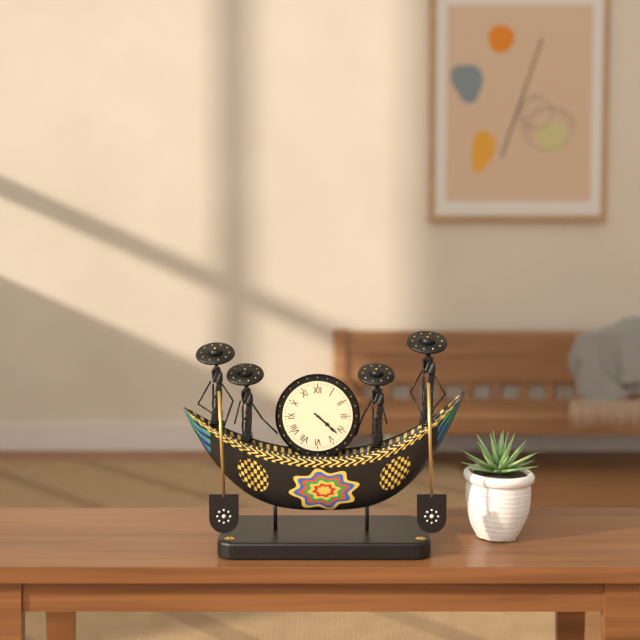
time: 4:22
